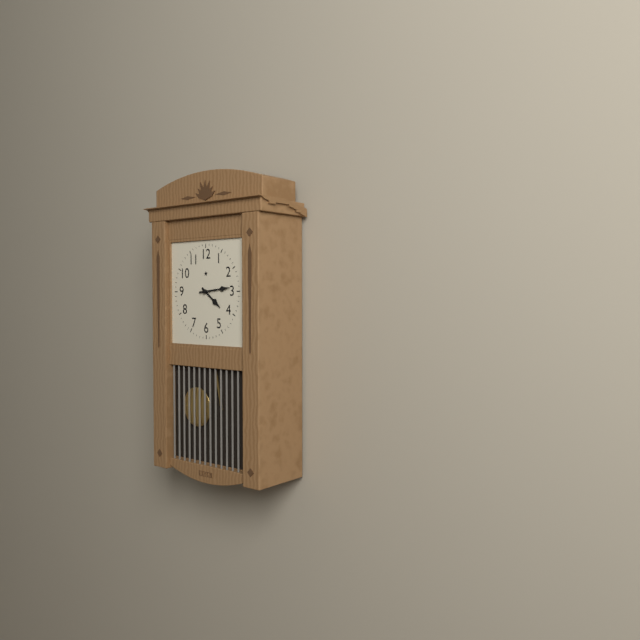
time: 4:14
